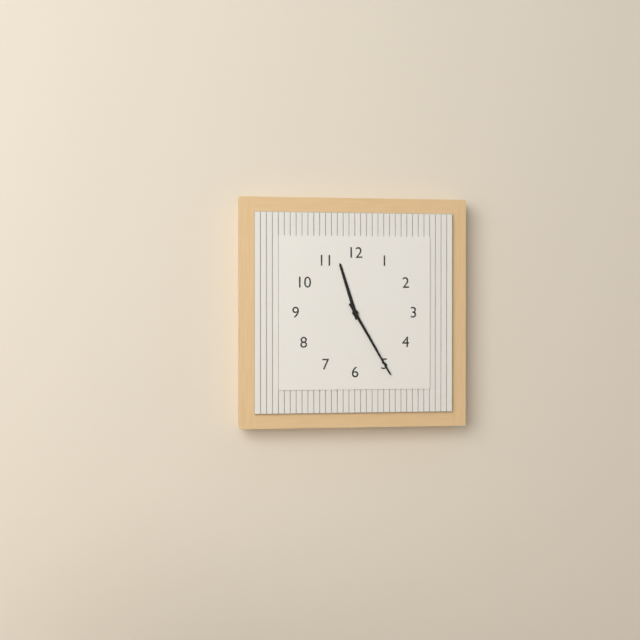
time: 11:25
